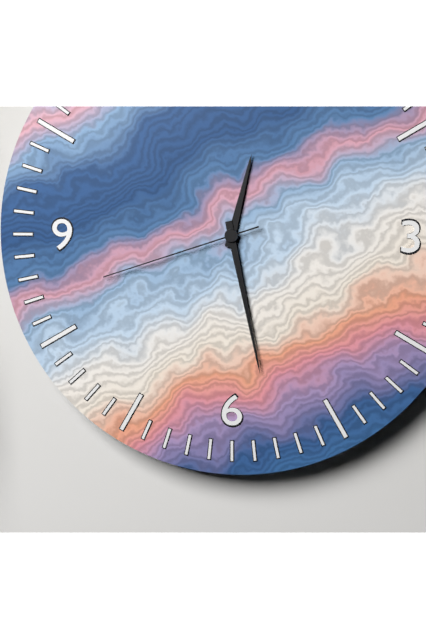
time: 12:28:42
